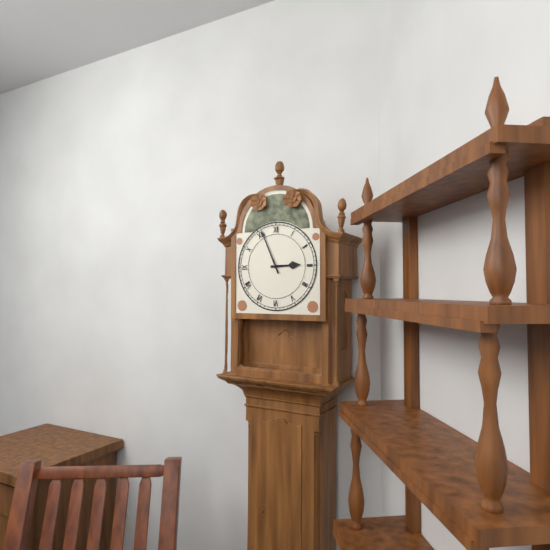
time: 2:56
